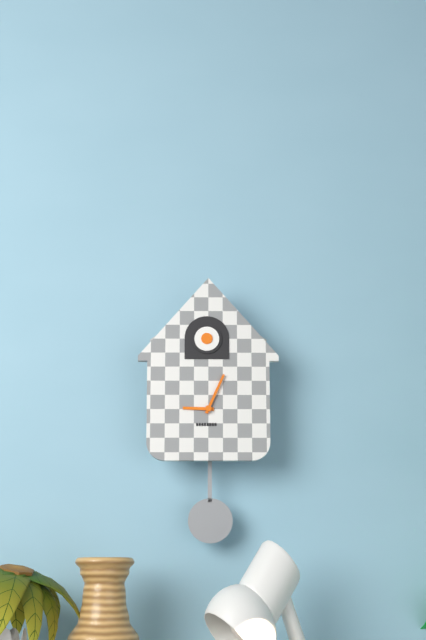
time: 9:04
